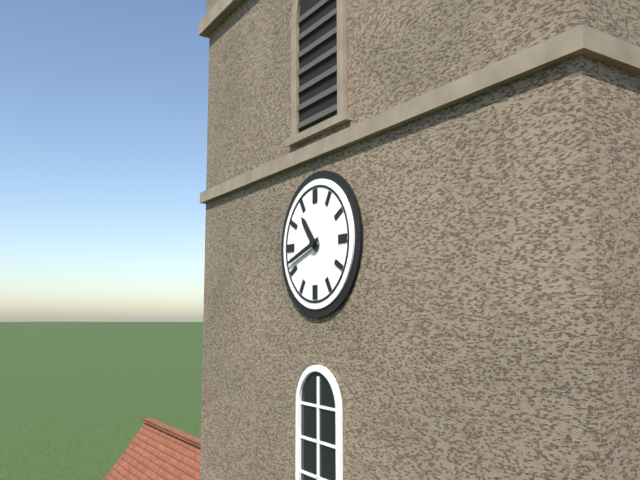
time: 10:42
